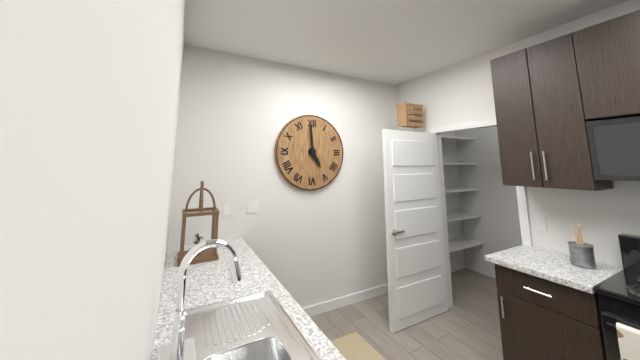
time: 4:59
